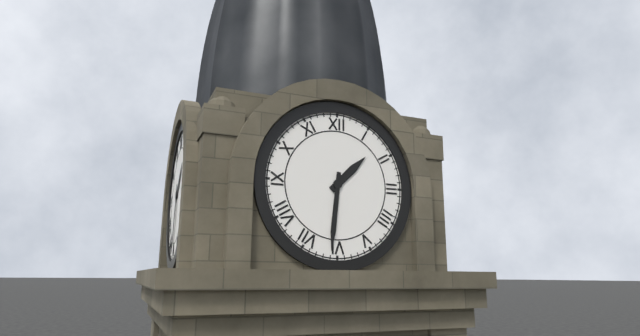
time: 1:31
